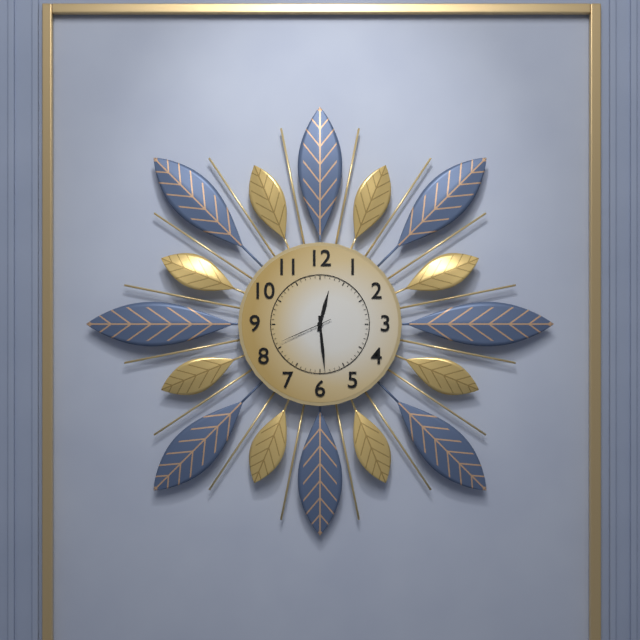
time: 12:29:41
